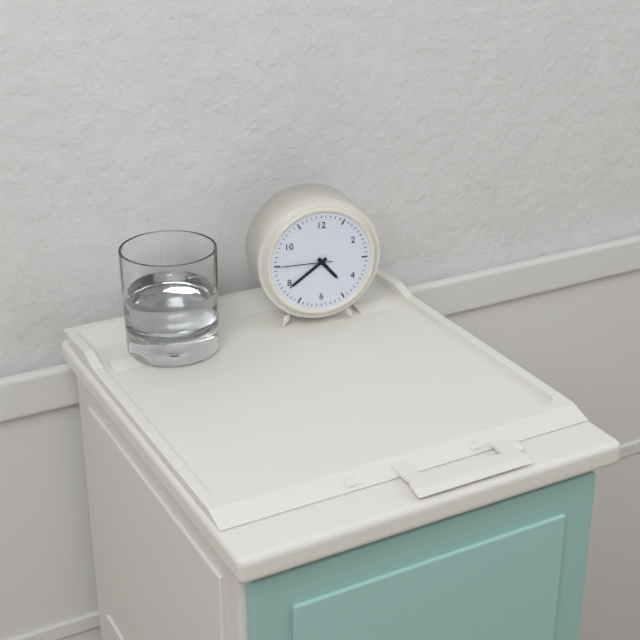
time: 4:39:45
